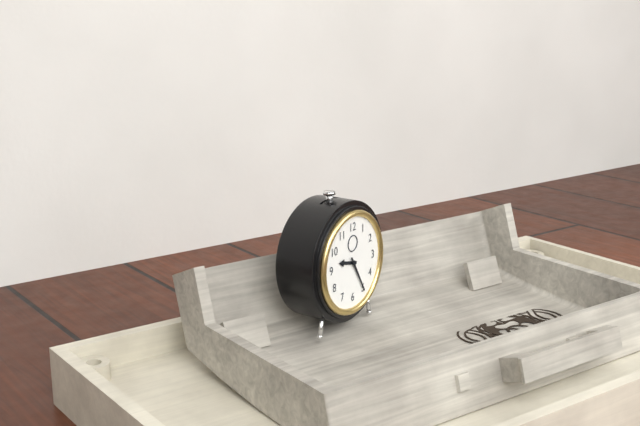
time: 9:25
